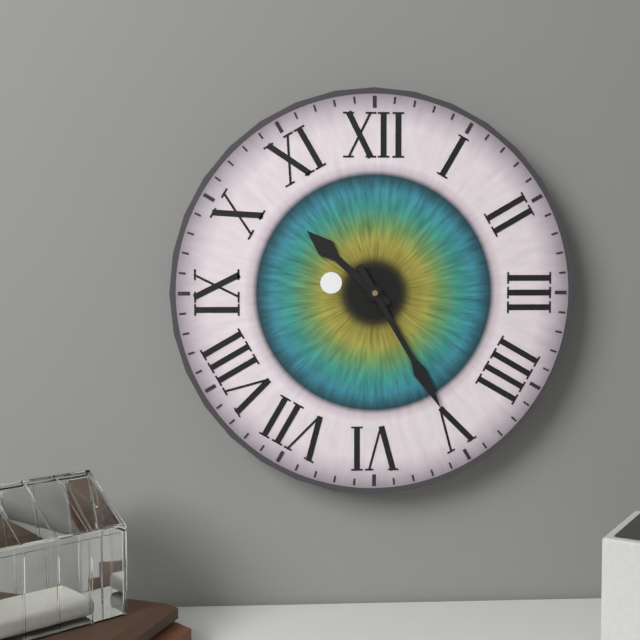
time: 10:25
